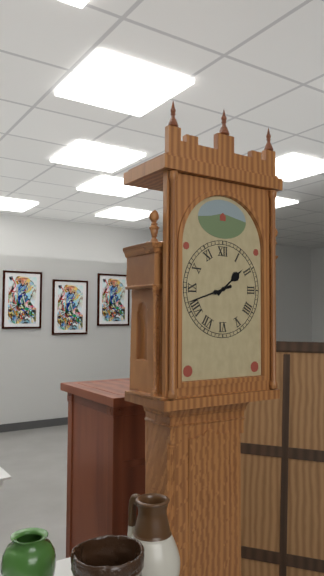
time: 1:42
